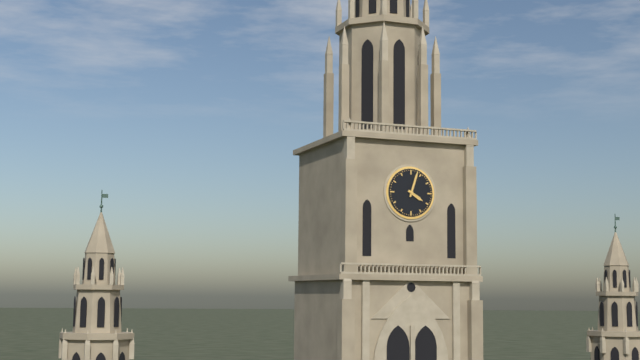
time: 4:03
